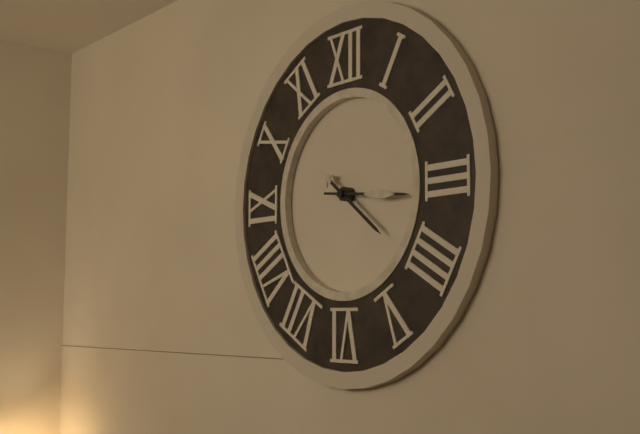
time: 4:16
